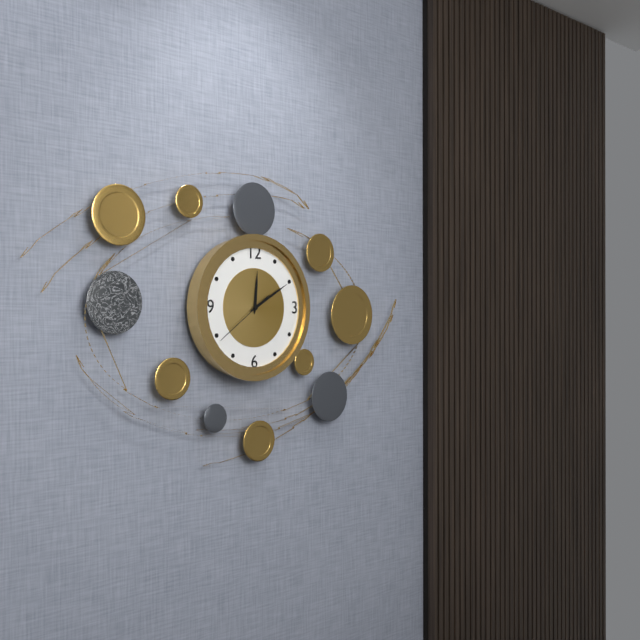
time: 12:10:39
